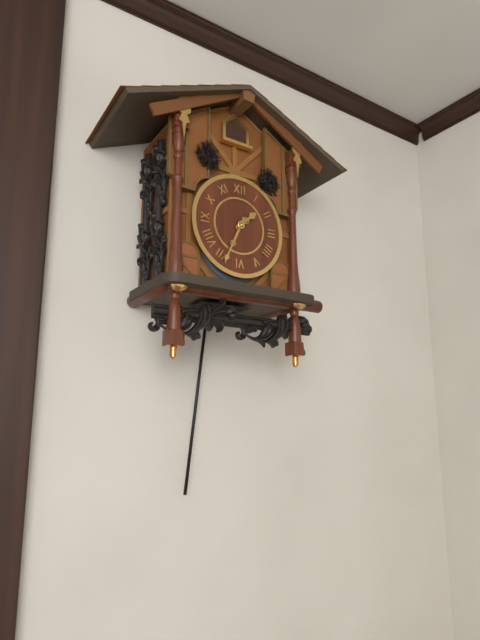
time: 1:34
